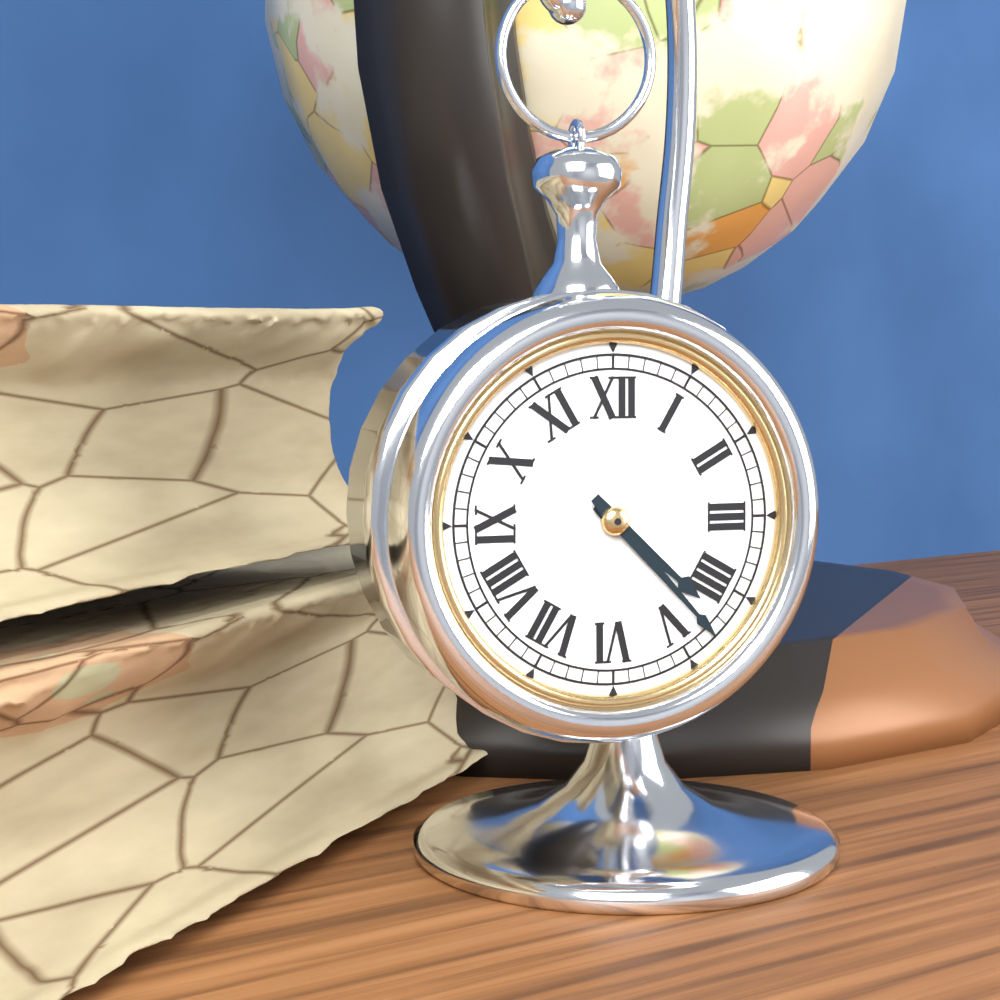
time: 4:23
